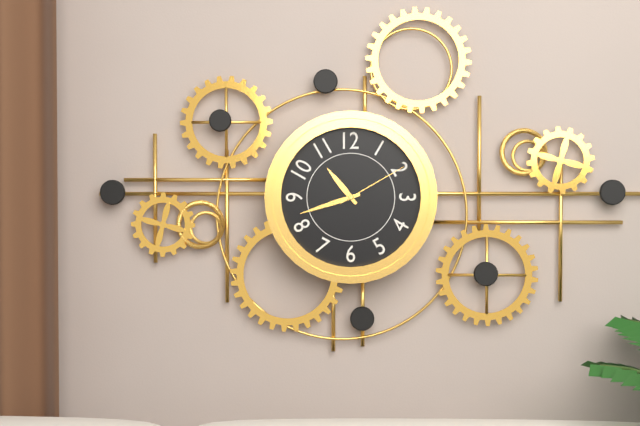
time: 10:42:10
